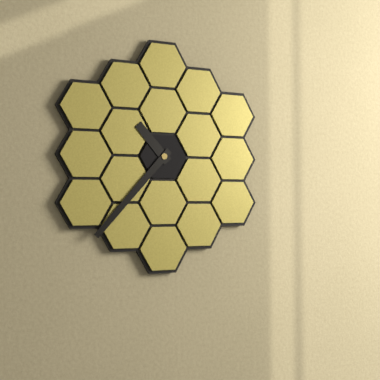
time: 10:37
